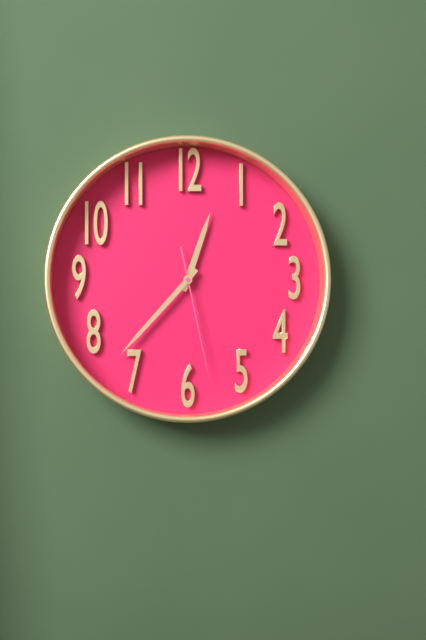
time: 12:37:28
